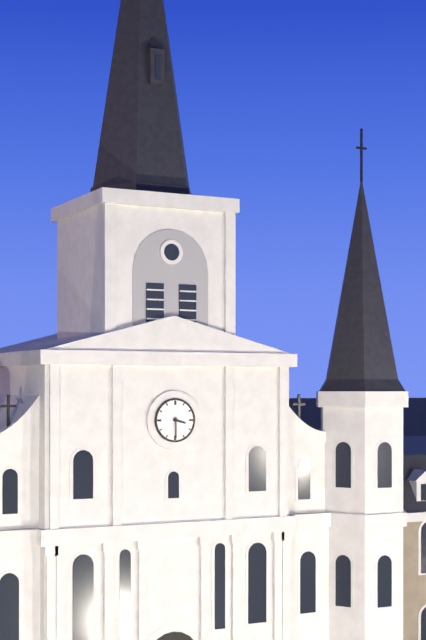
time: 3:30
